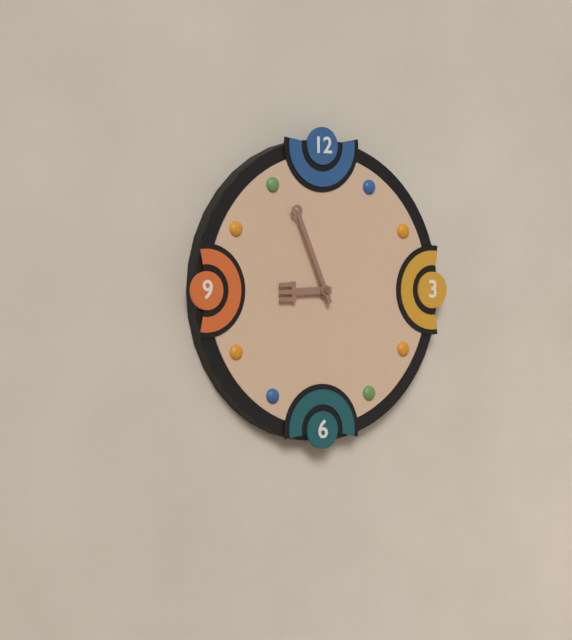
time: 8:56
